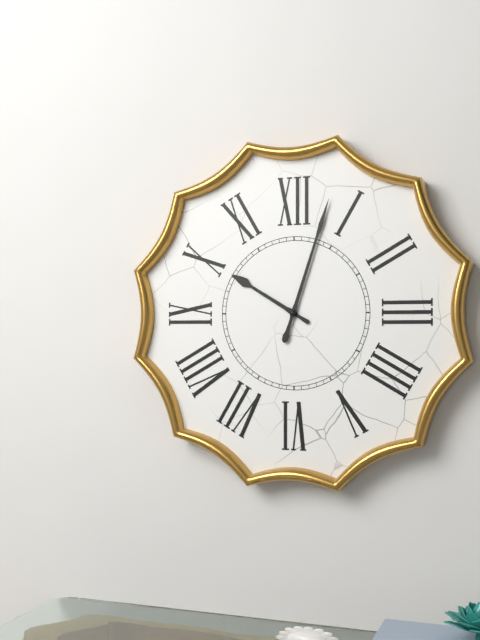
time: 10:03
